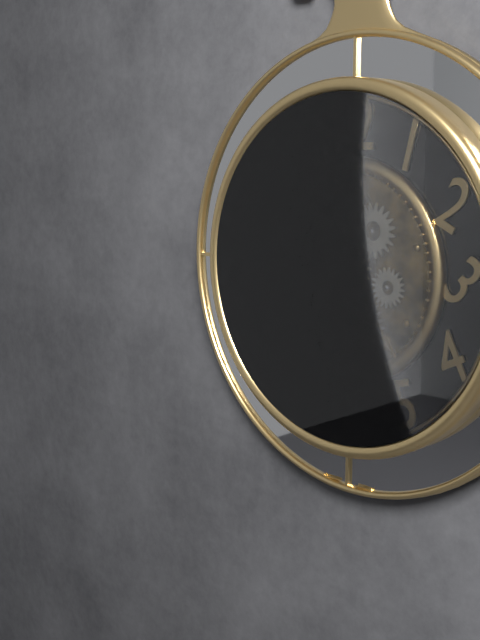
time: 4:34
